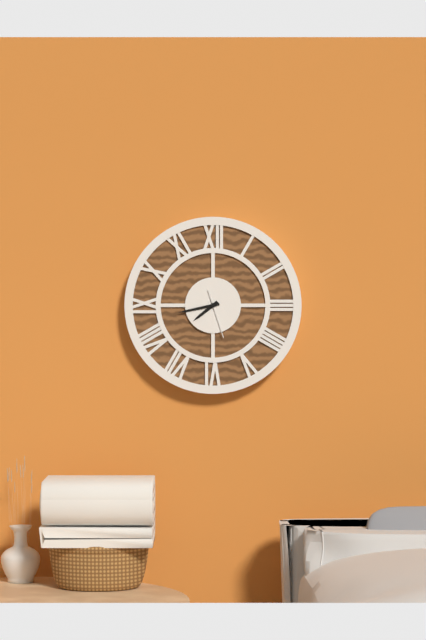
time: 7:43
